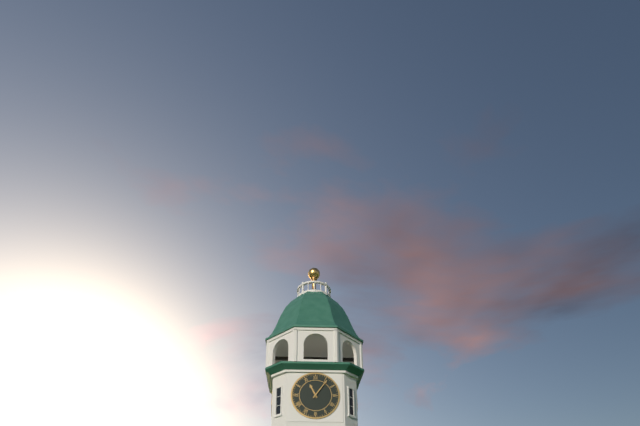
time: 11:06
